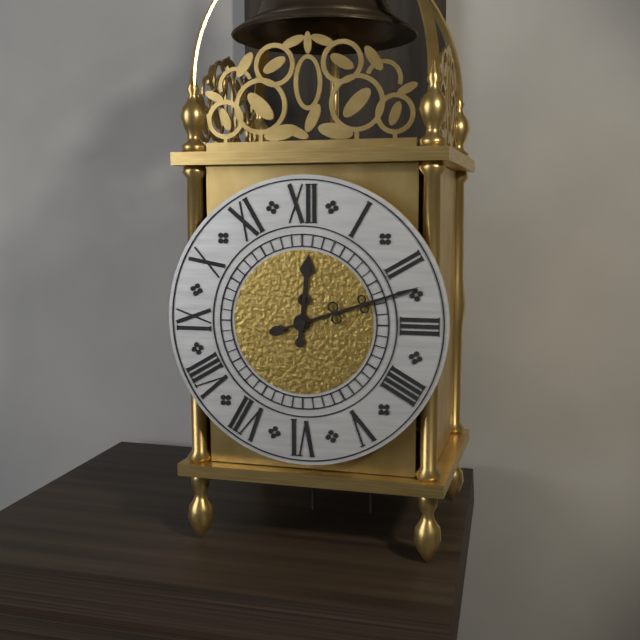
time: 12:12
